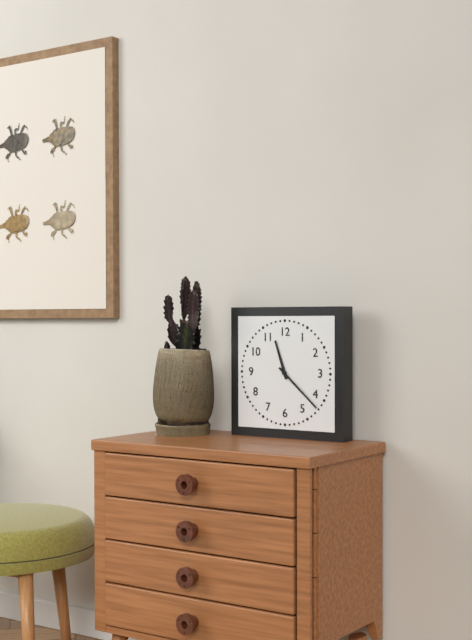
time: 11:22
